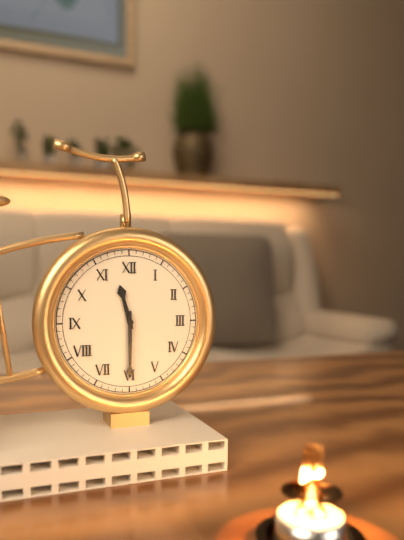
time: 11:30
